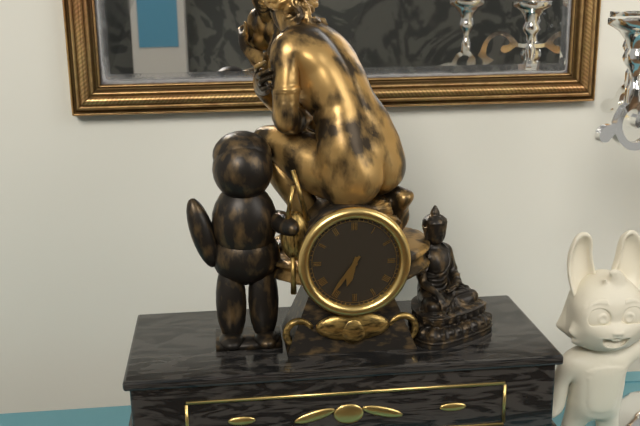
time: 6:36
